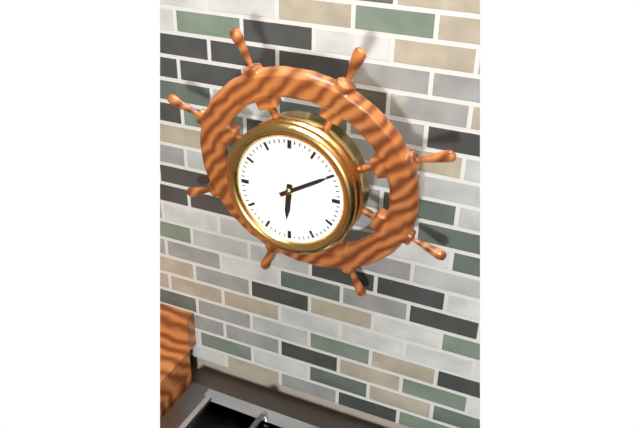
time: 6:10
